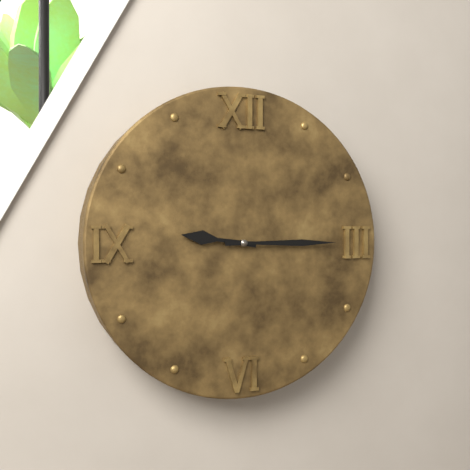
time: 9:15
